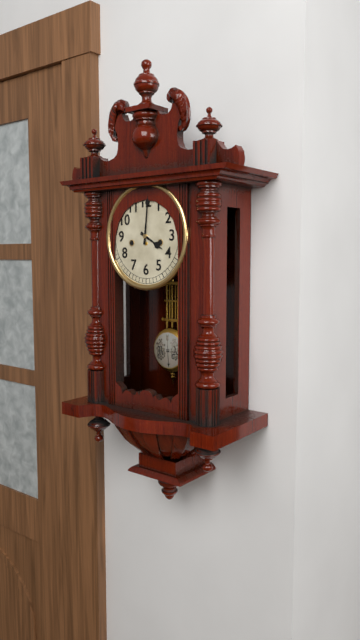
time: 4:01
